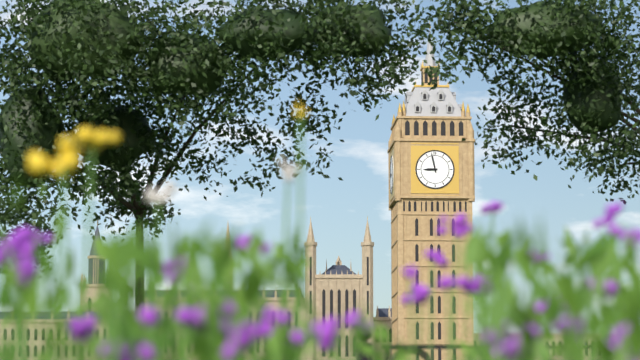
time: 8:58
